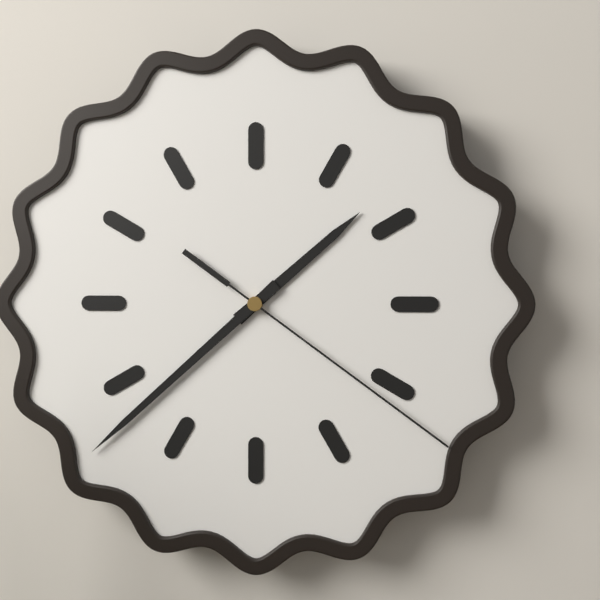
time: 1:38:21
